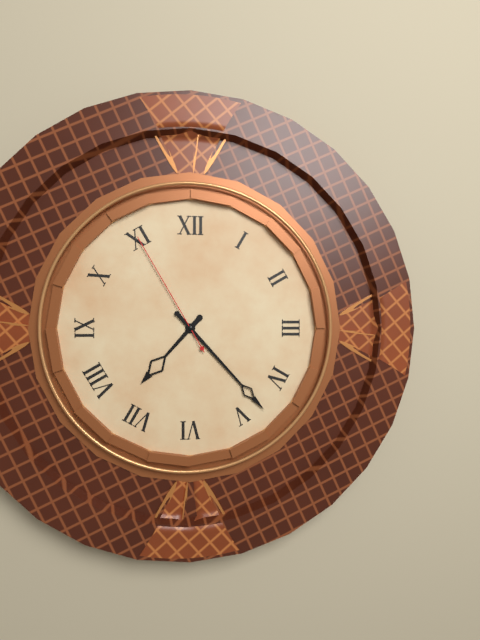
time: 7:23:55
